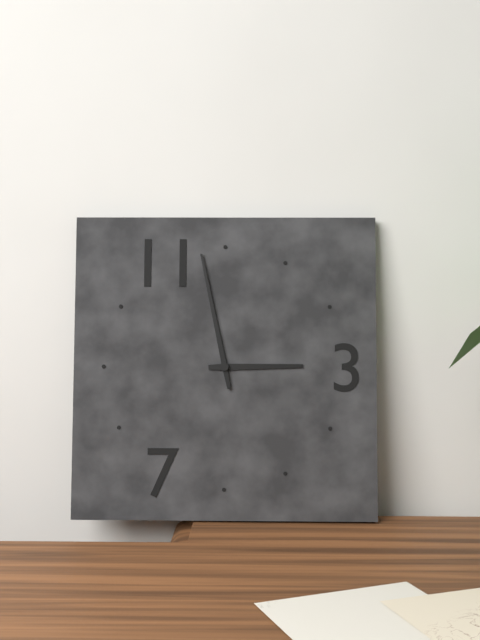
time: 2:58
